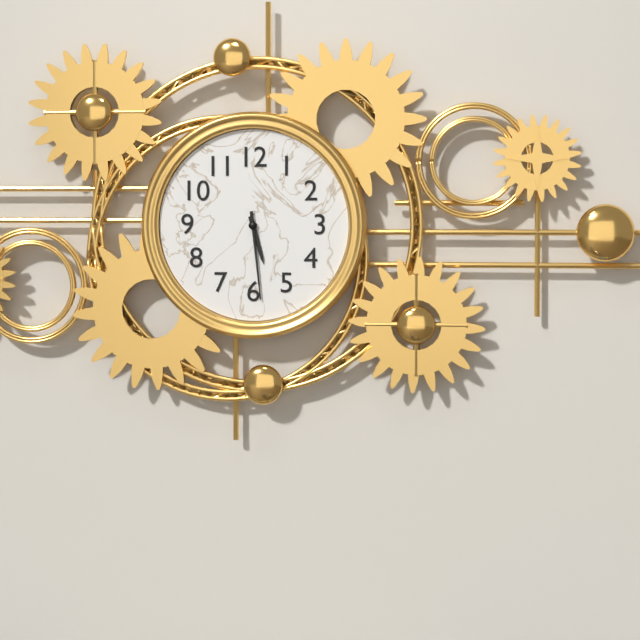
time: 5:29
